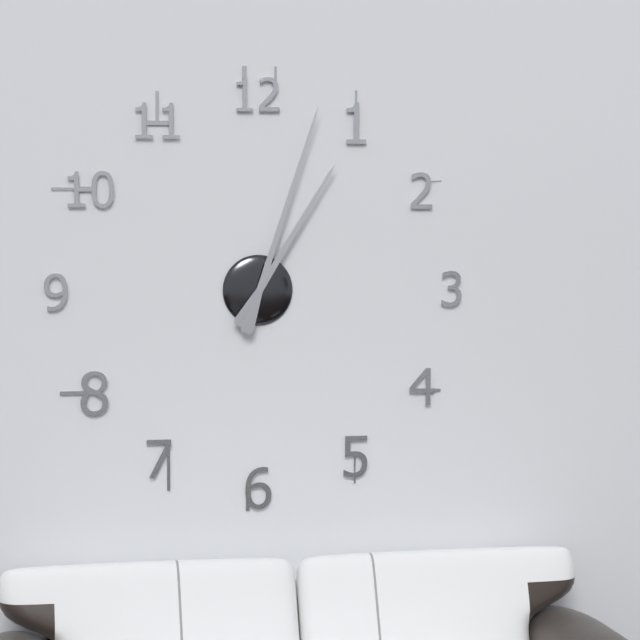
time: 1:03
